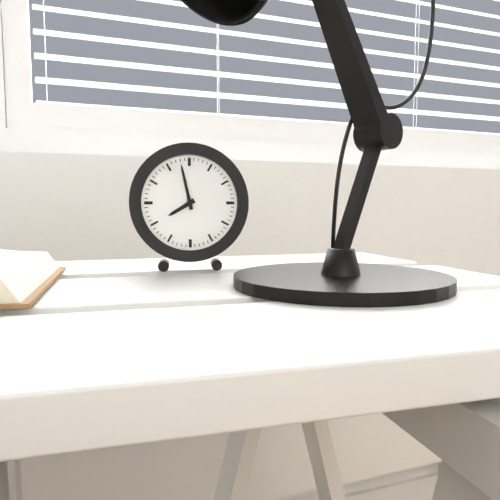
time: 7:58
